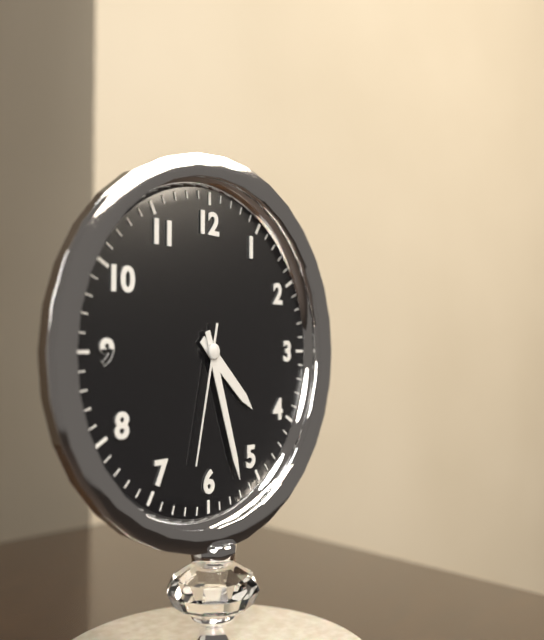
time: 4:27:32
